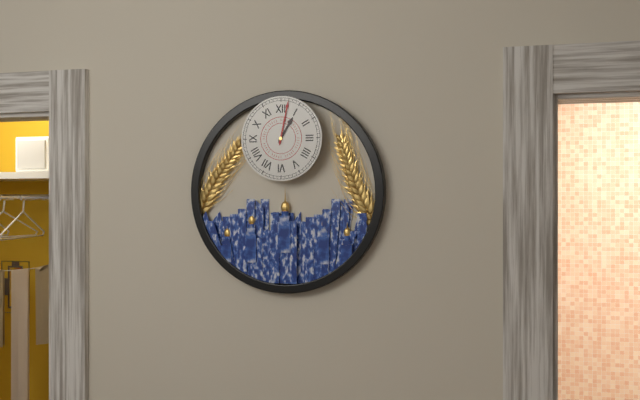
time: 1:02
